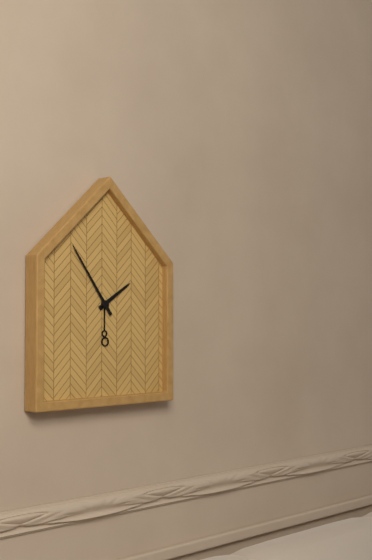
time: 1:54
